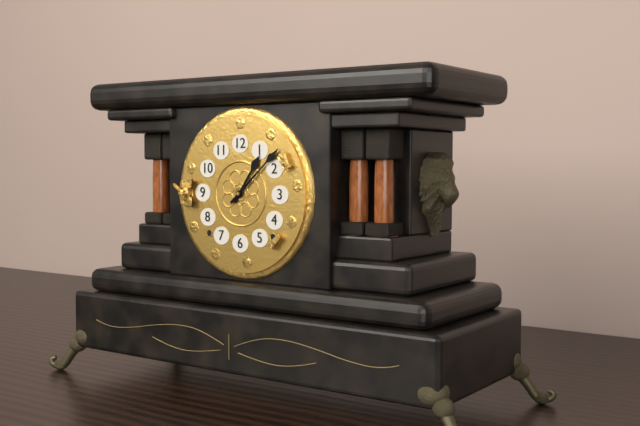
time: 1:08
